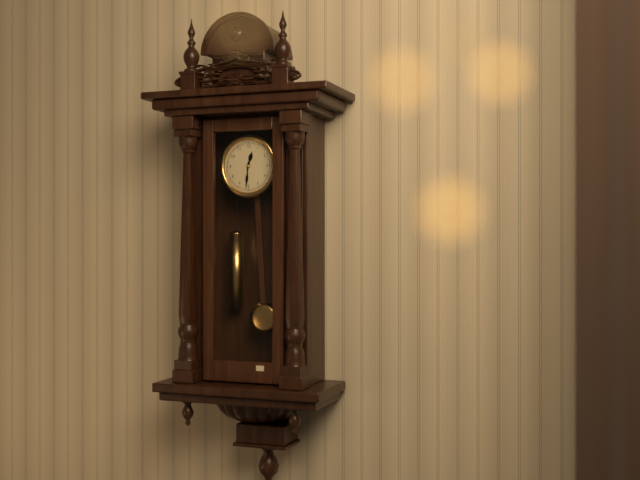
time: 12:31
